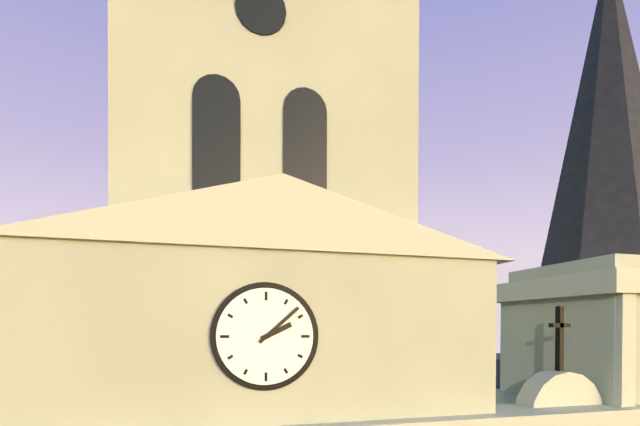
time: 2:08
